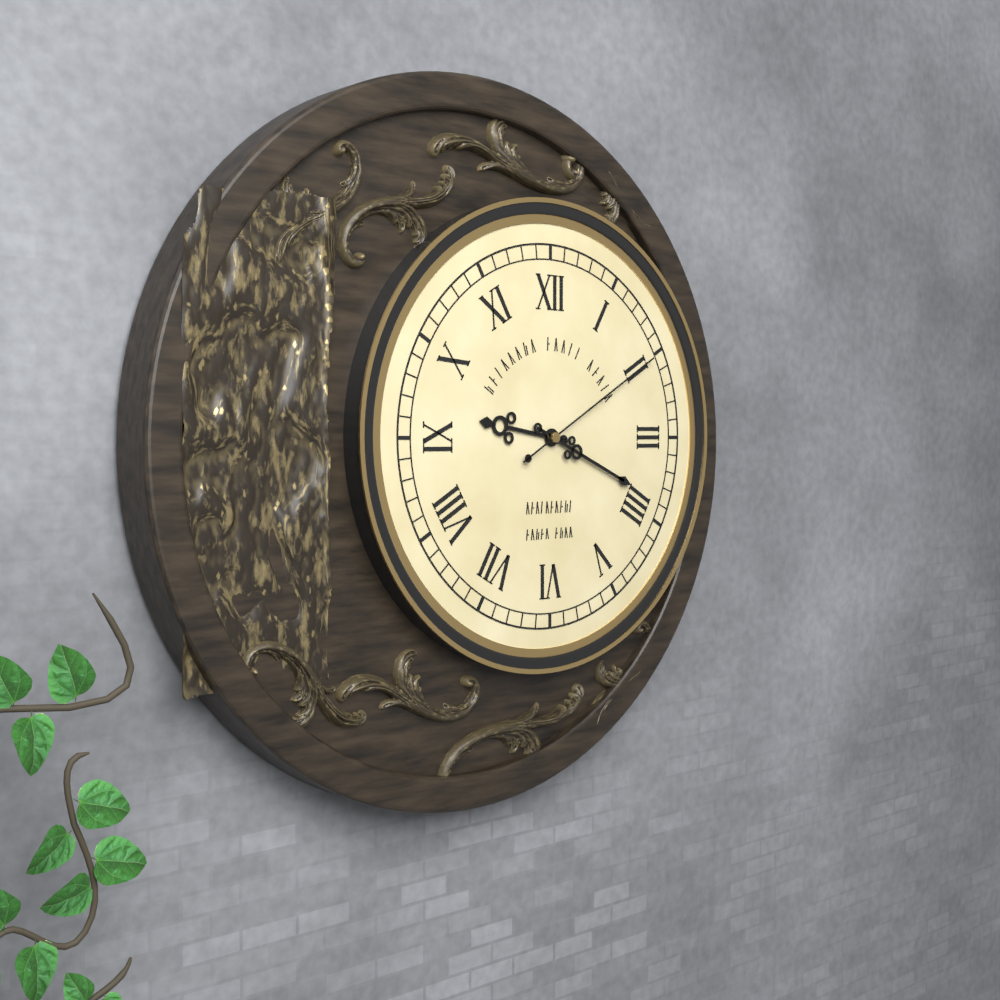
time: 9:19:10
